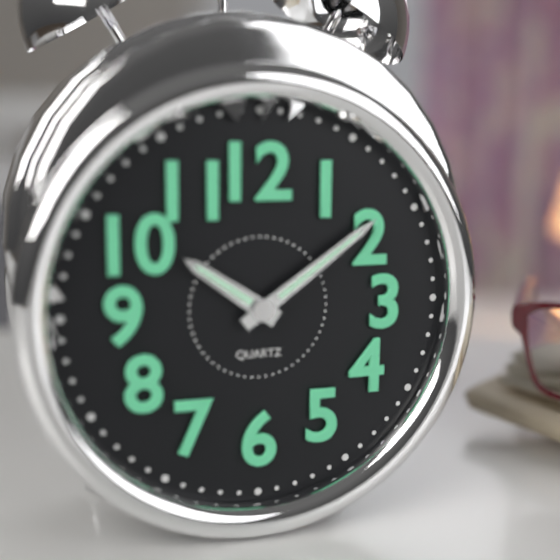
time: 10:09
